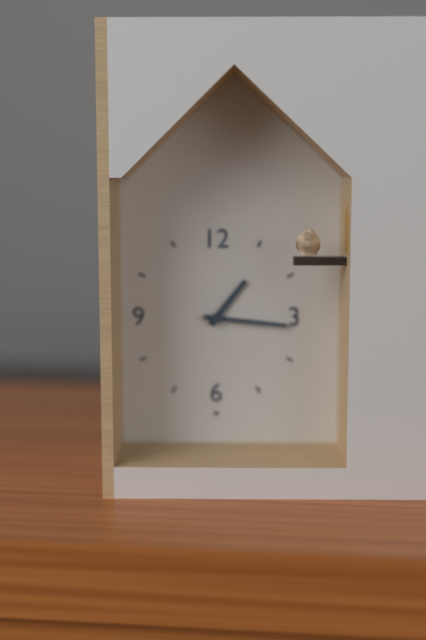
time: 1:16
